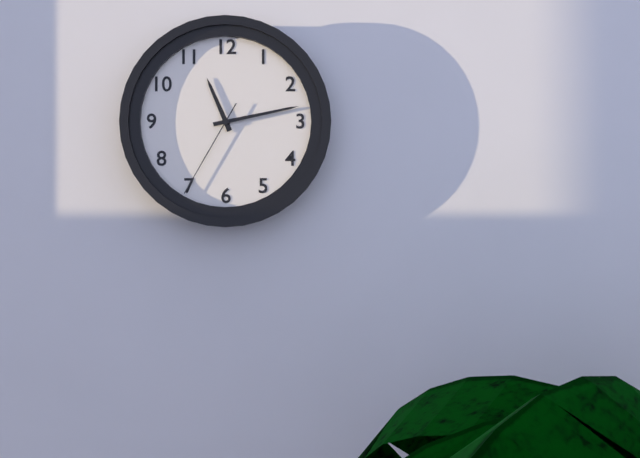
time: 11:13:35
